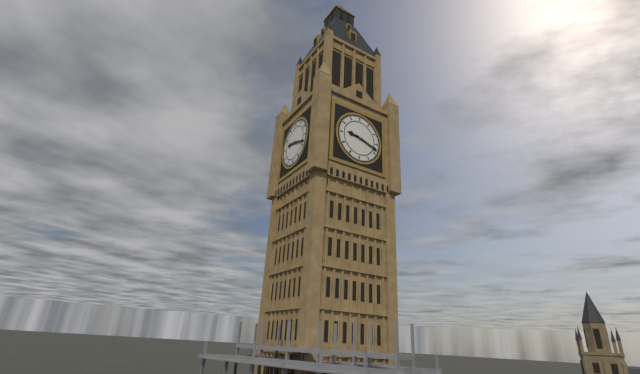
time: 9:18
